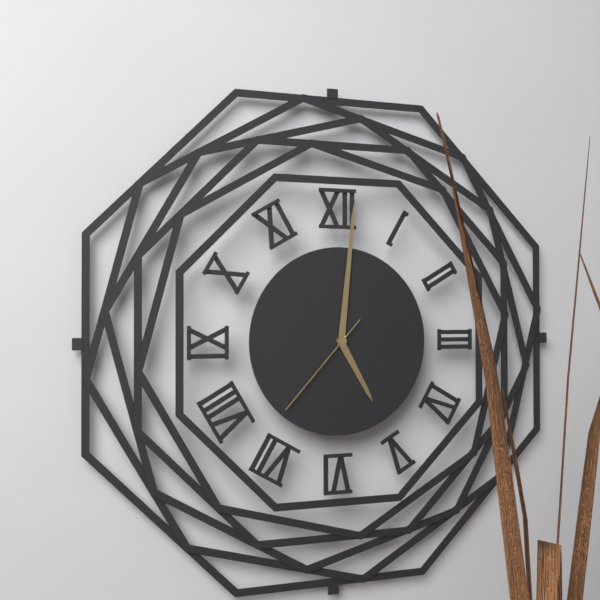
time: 5:01:37
